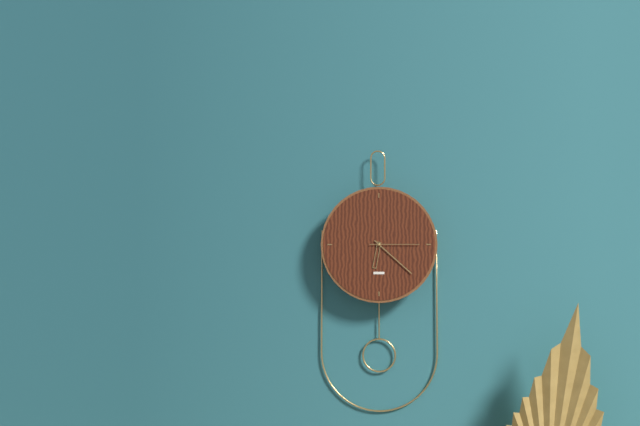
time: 6:22:15
